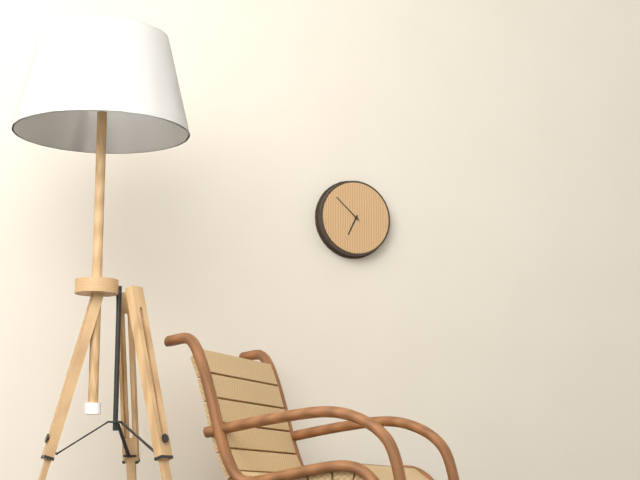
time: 6:52
